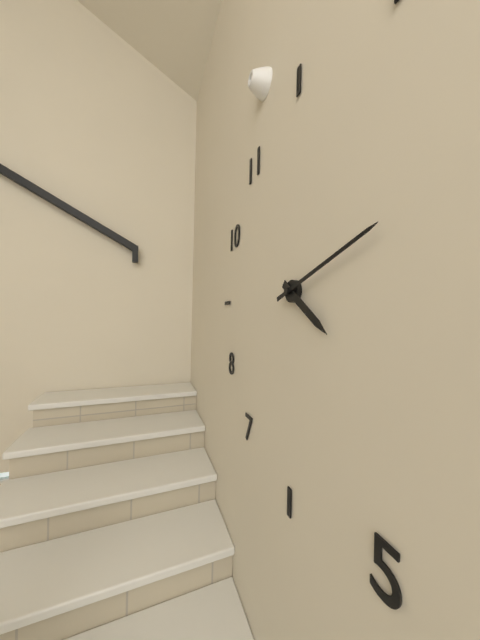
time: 4:12
